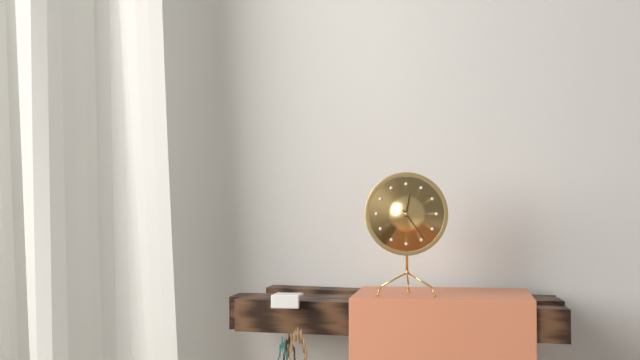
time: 12:24
